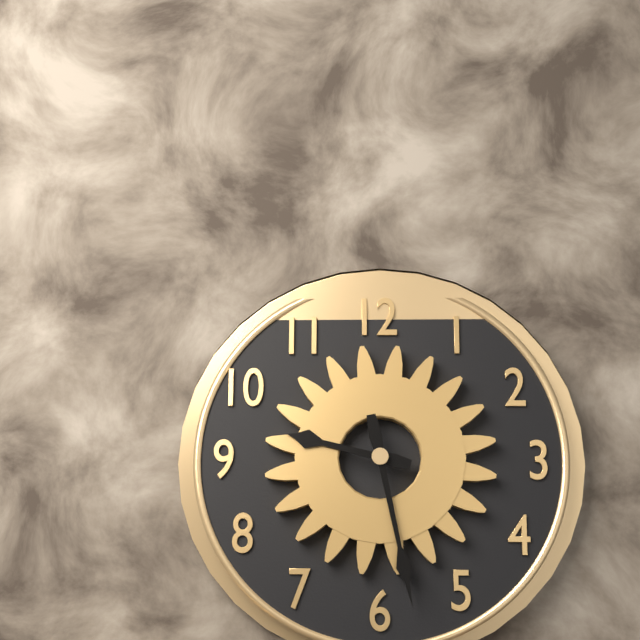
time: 9:28
